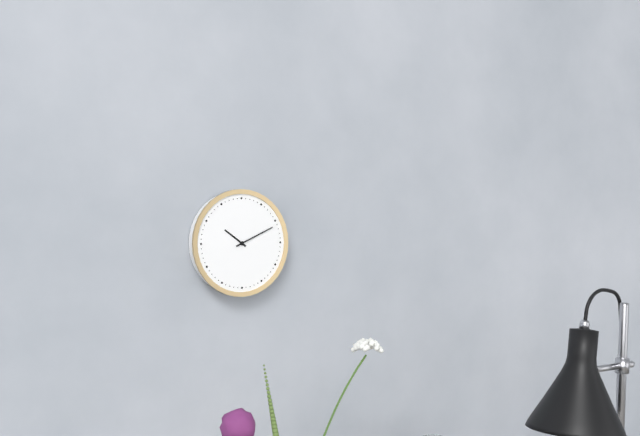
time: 10:11
